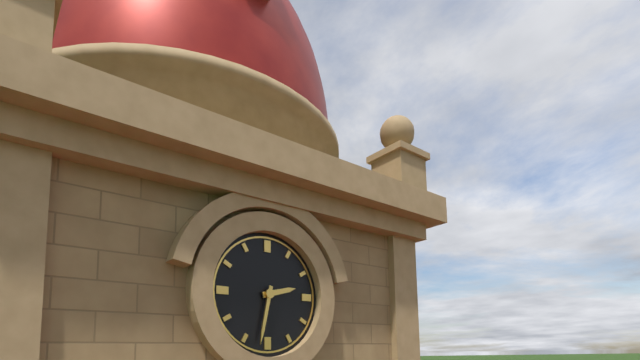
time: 2:32
